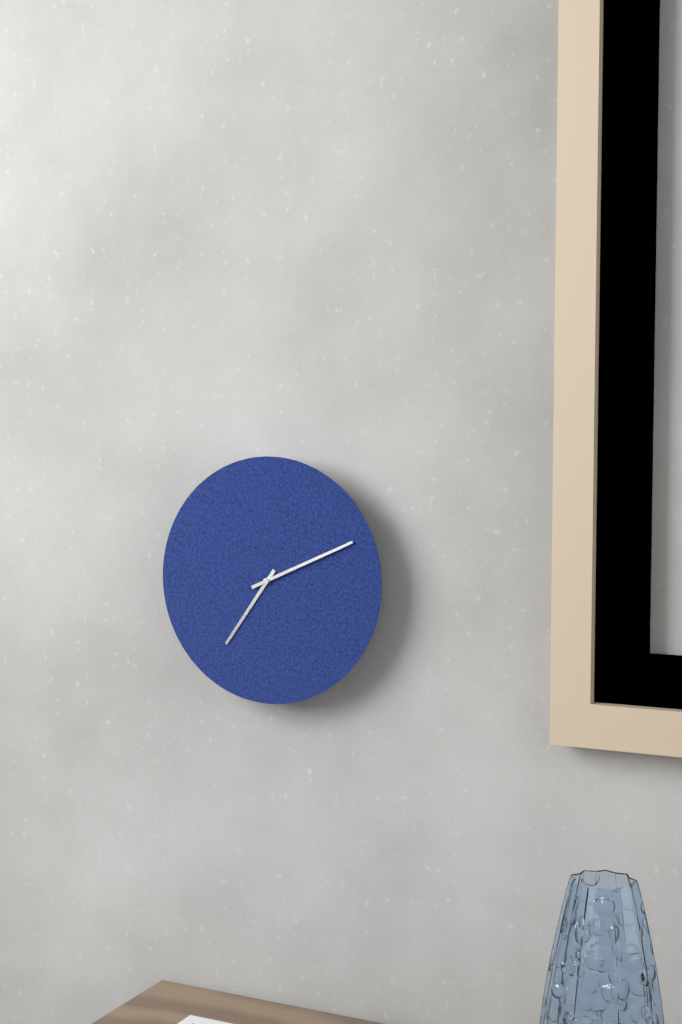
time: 7:11
